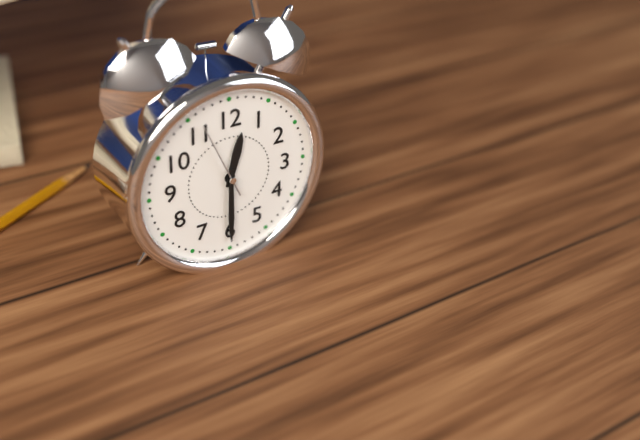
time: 12:30:56
